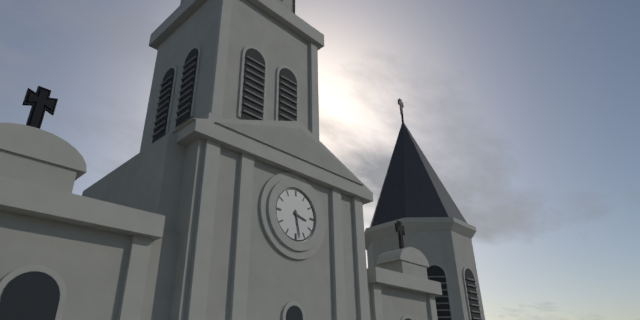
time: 3:28
